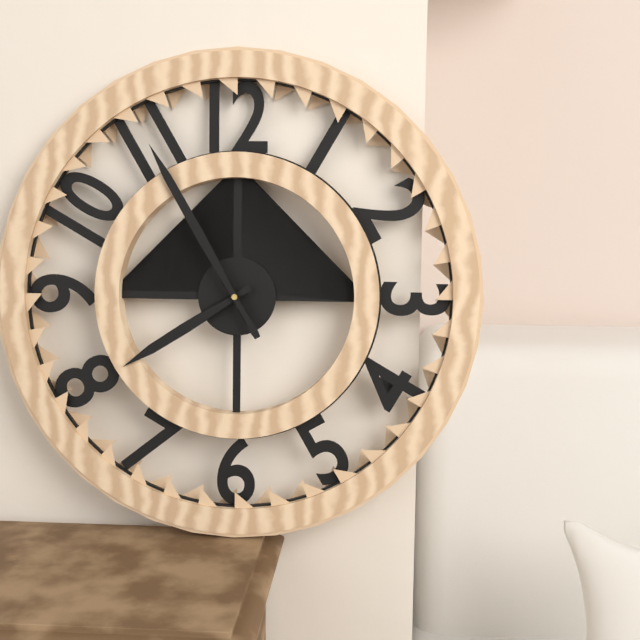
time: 7:55
